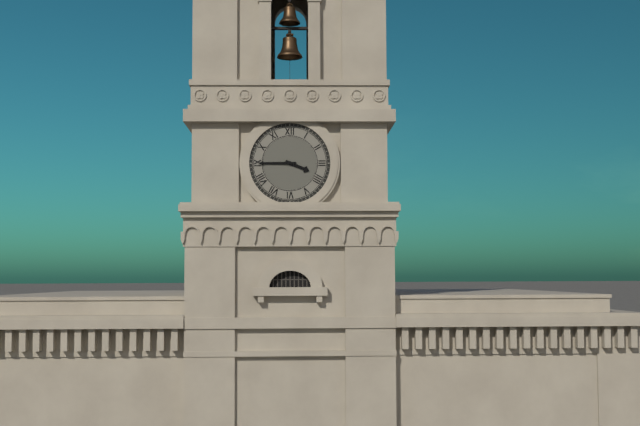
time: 3:45
